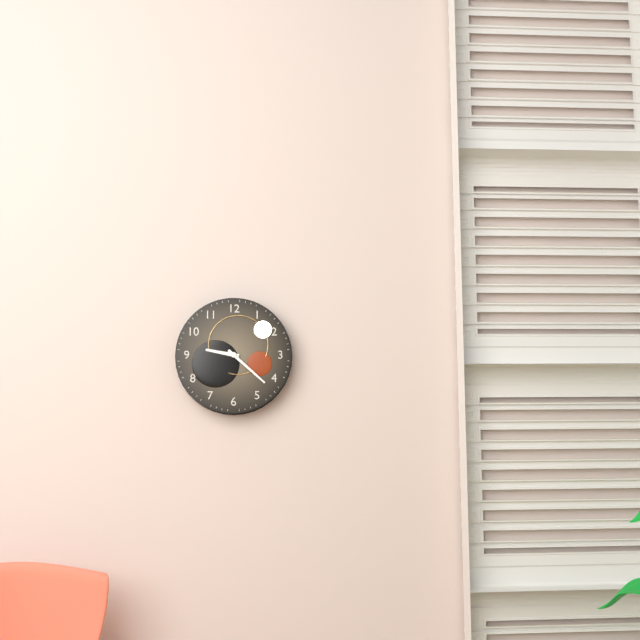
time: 9:22
